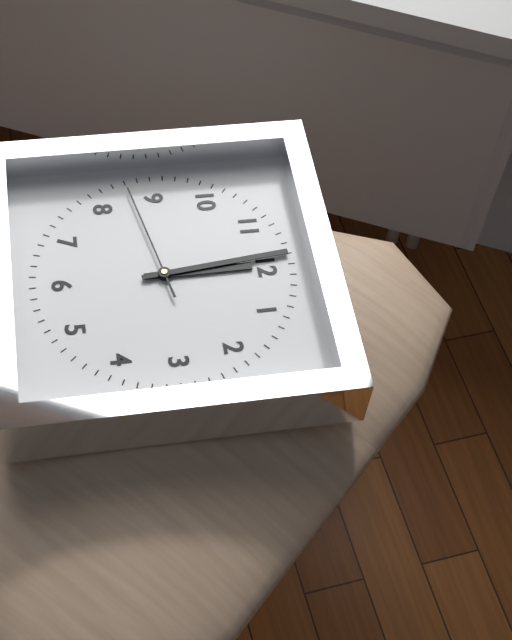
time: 11:59:43
